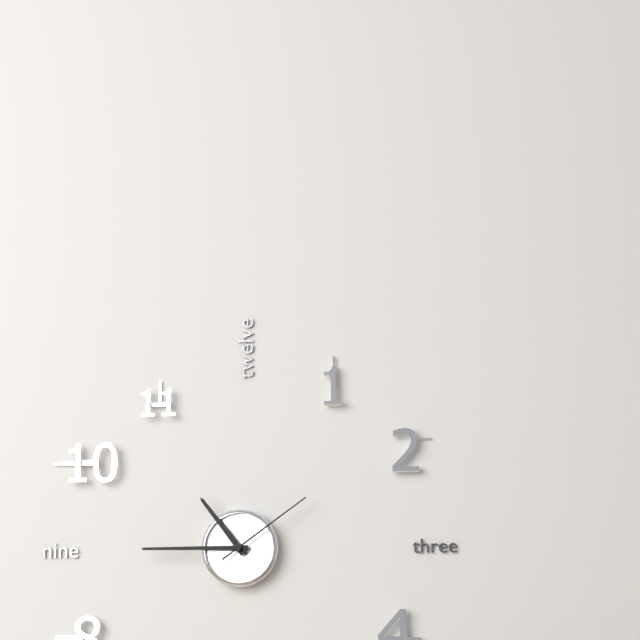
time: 10:45:09
